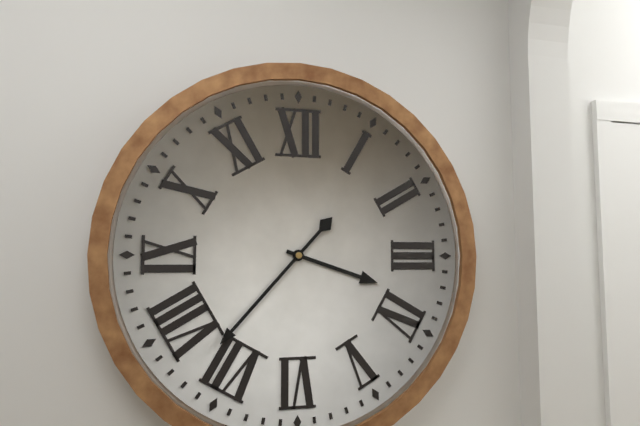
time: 3:37
